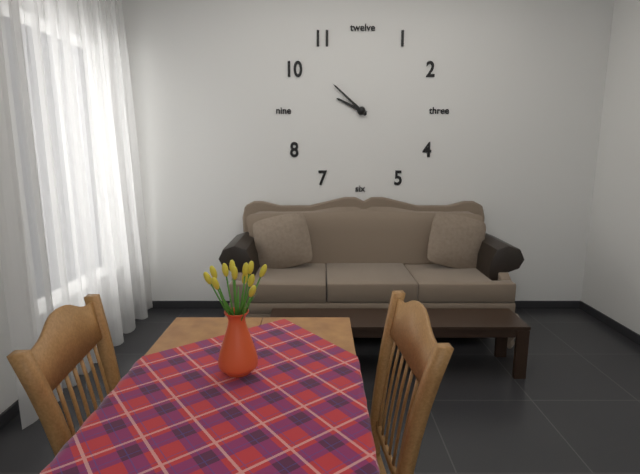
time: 9:52
